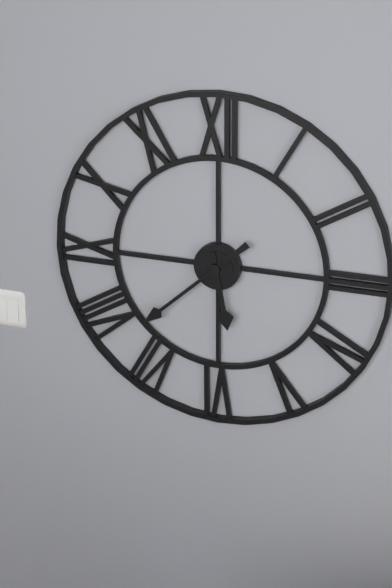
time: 5:38
